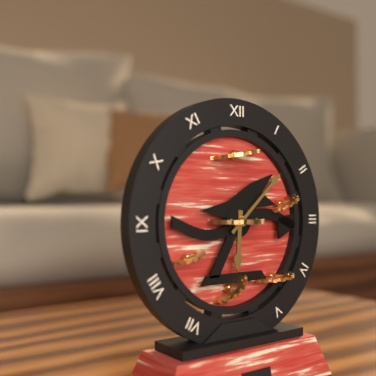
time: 6:08
